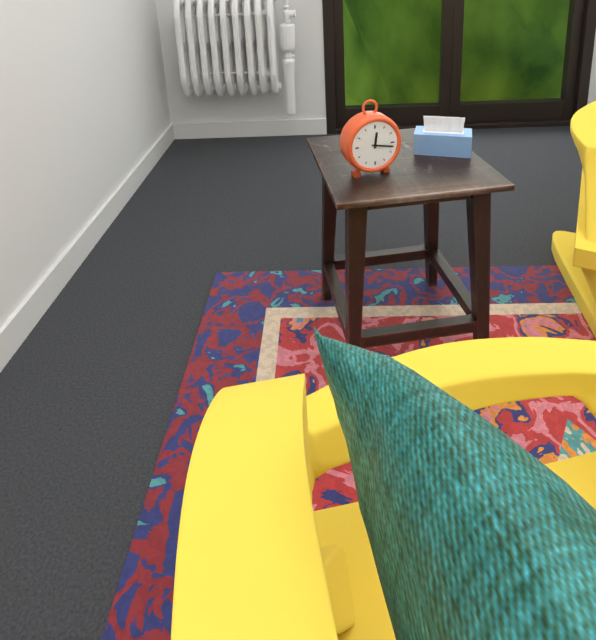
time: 12:17
